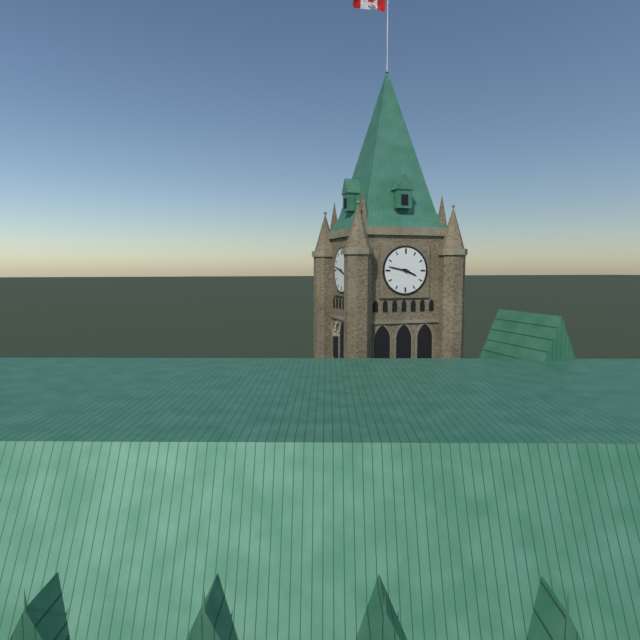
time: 3:47
